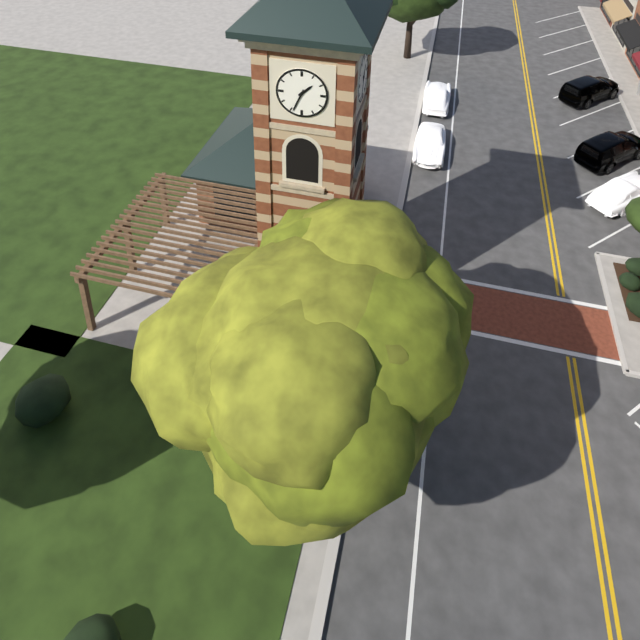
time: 1:34
